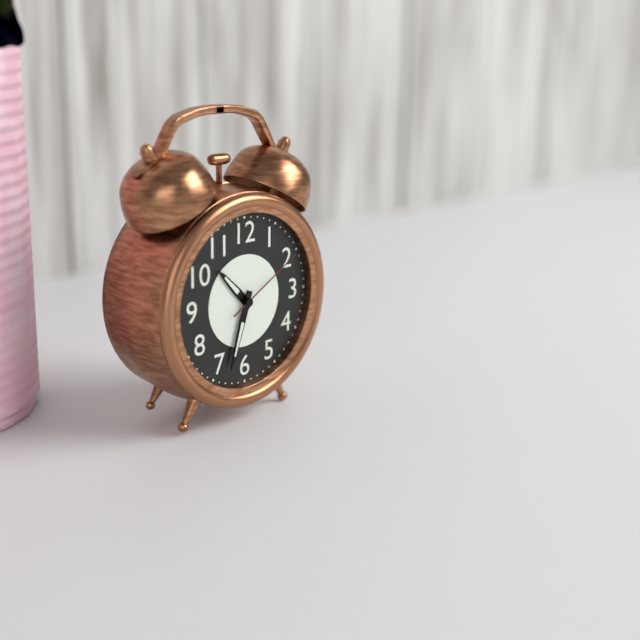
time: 10:33:10
